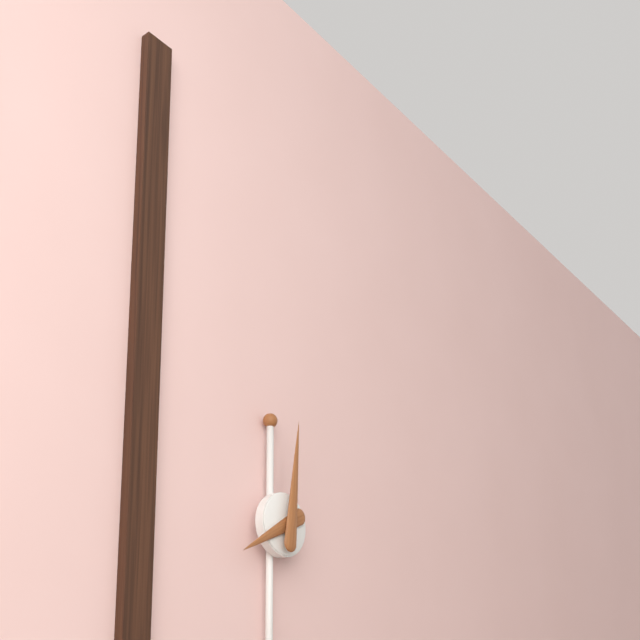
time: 8:01
